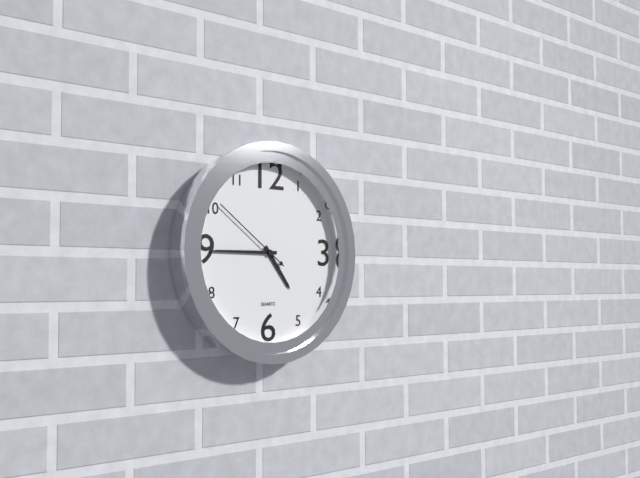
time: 4:45:51
